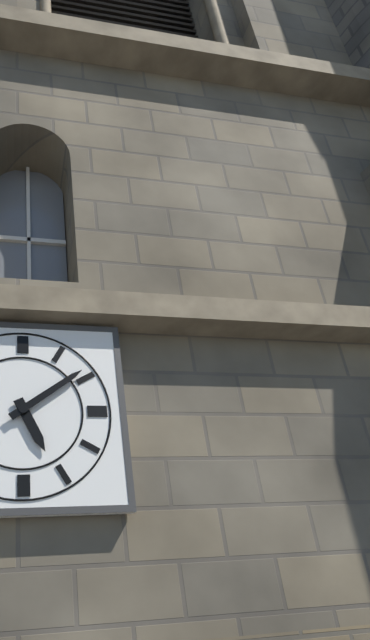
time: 5:09
